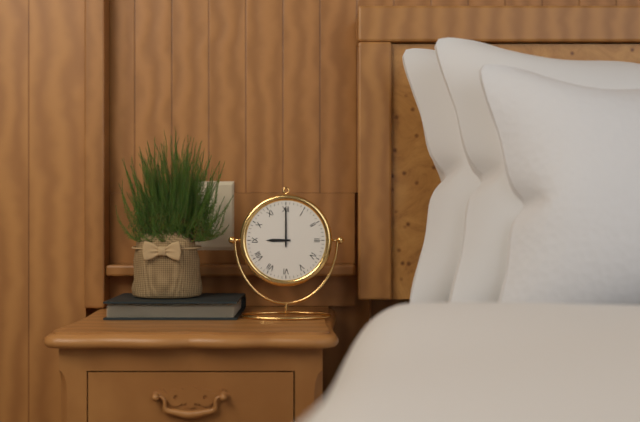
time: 9:00
